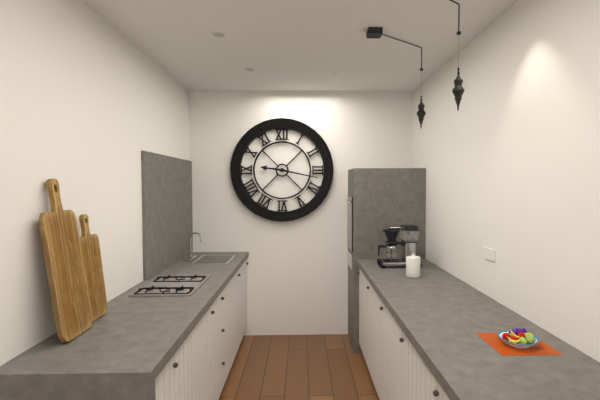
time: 9:17
